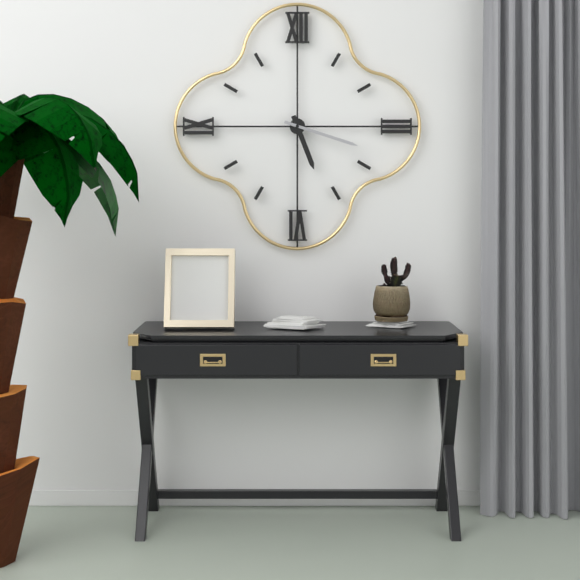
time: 5:18
